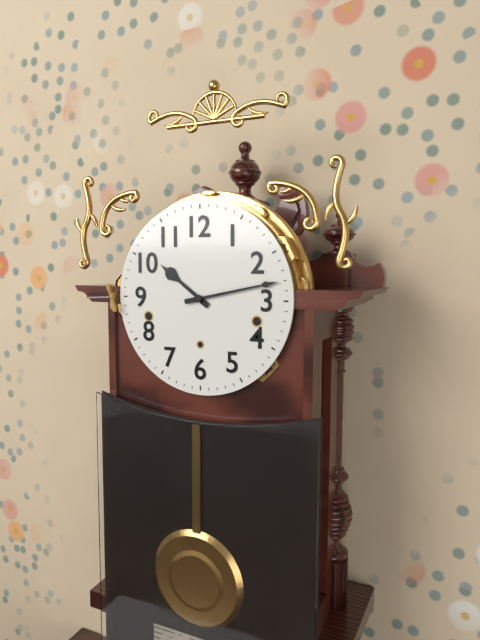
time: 10:13
